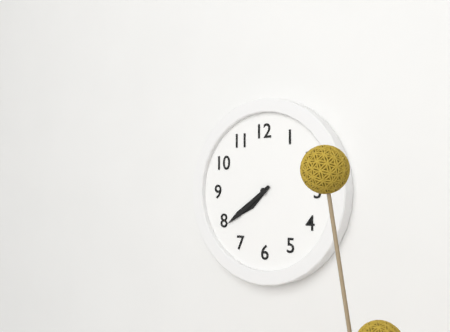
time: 7:39
